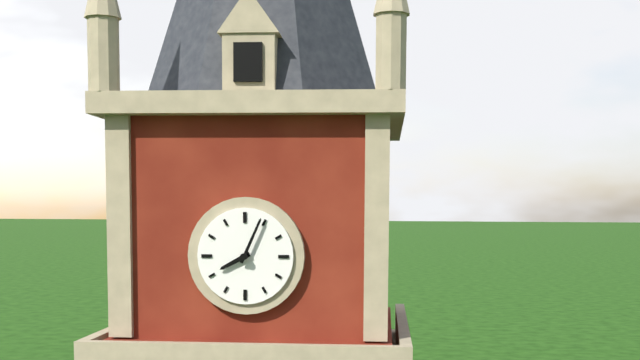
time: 8:04
